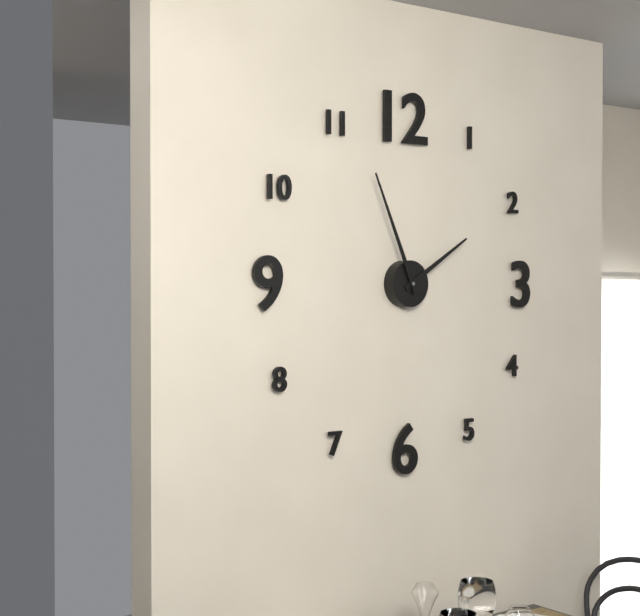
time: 1:56
